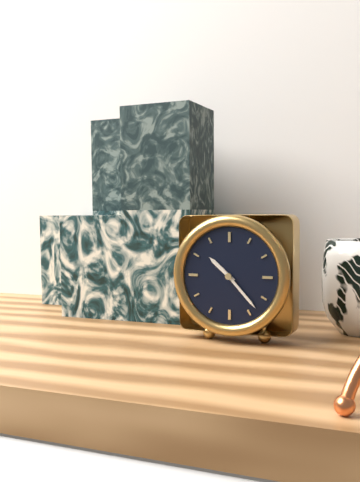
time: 10:23
